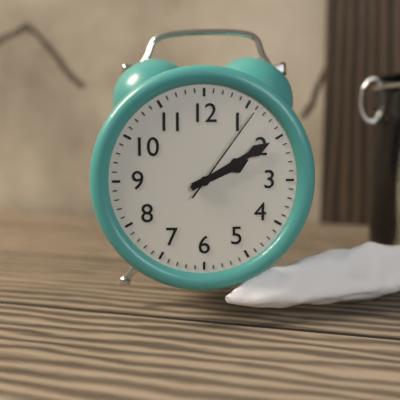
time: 2:10:06
